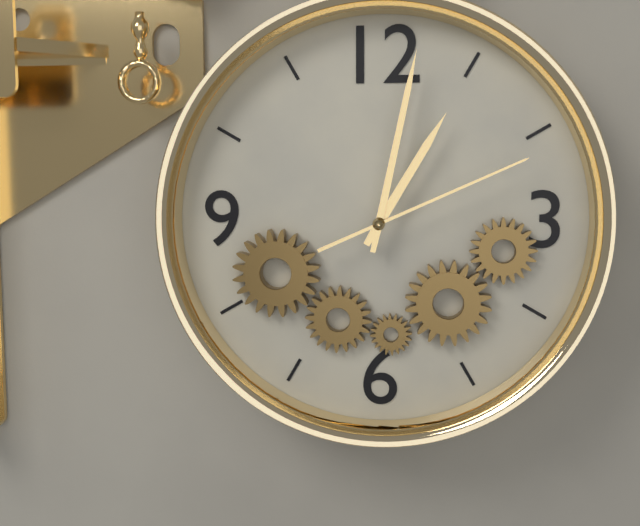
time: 1:02:11
